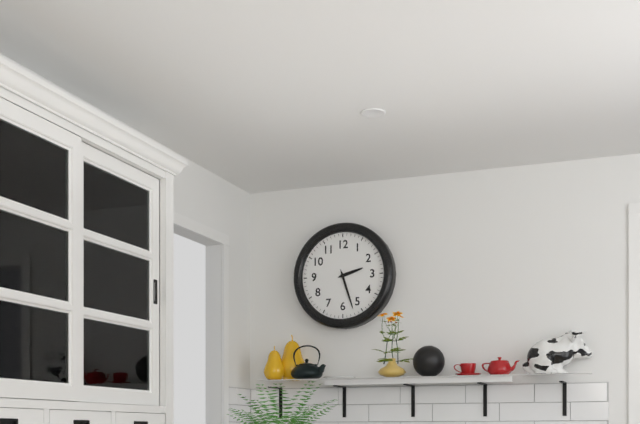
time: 2:27
